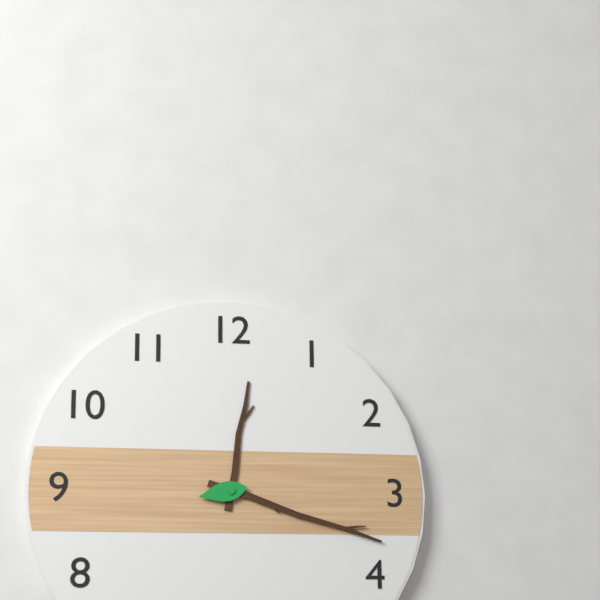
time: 12:18
